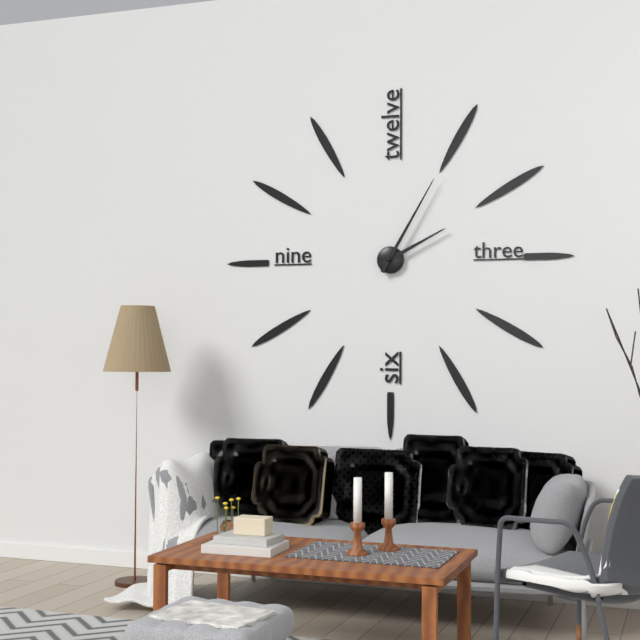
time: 2:05
